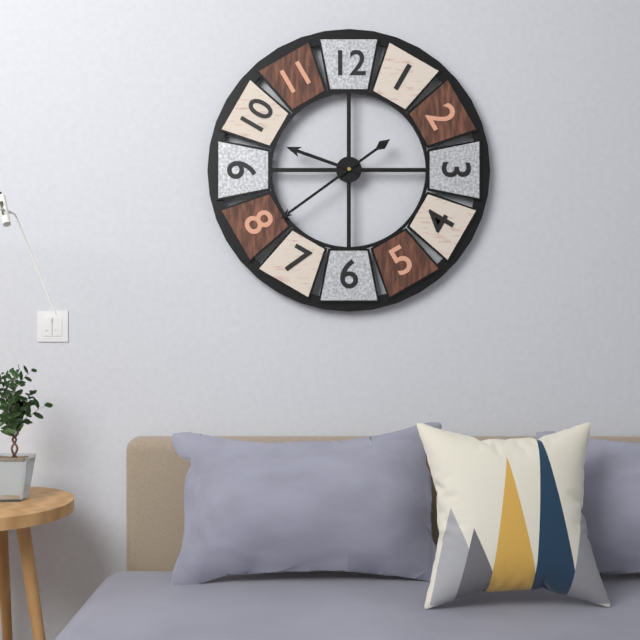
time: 9:39
